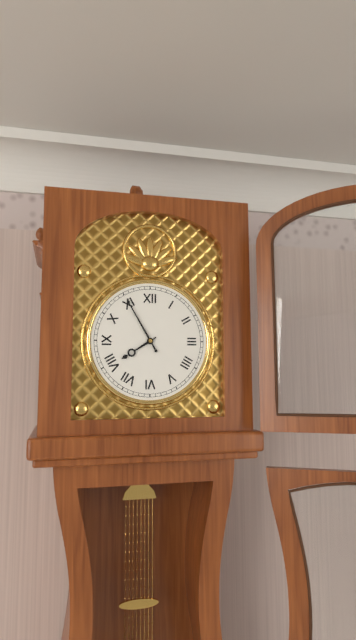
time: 7:55
